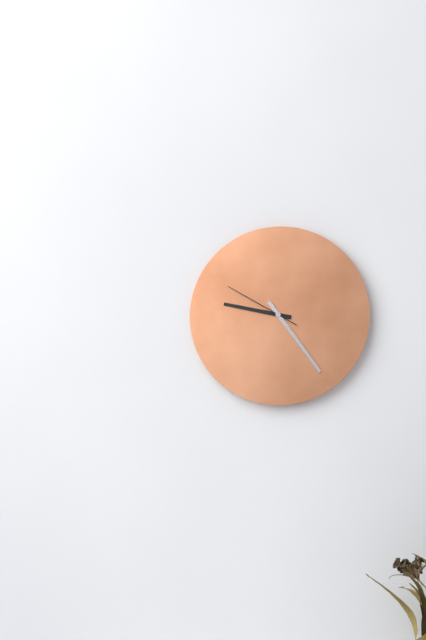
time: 9:24:50
